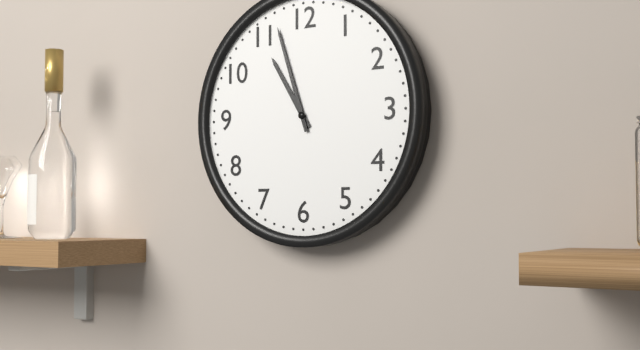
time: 10:57
